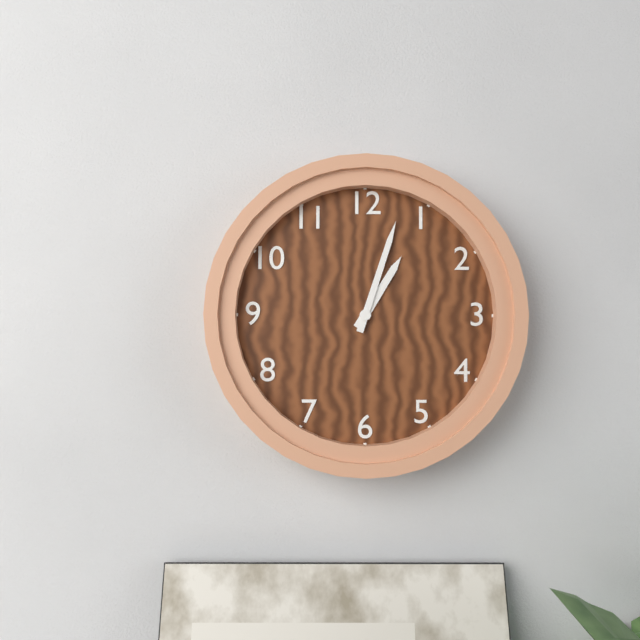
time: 1:03
